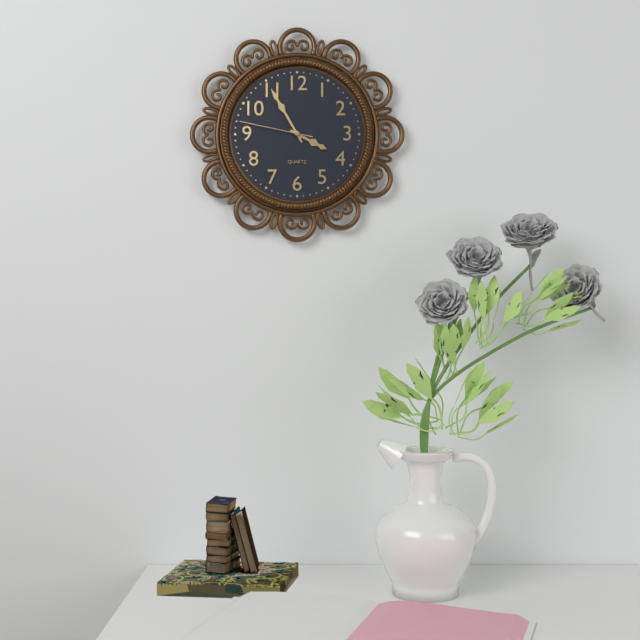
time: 3:55:47
